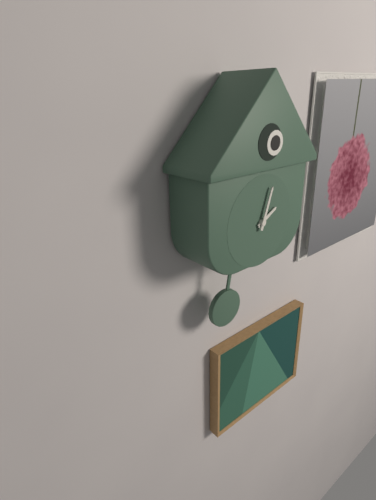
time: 2:03
